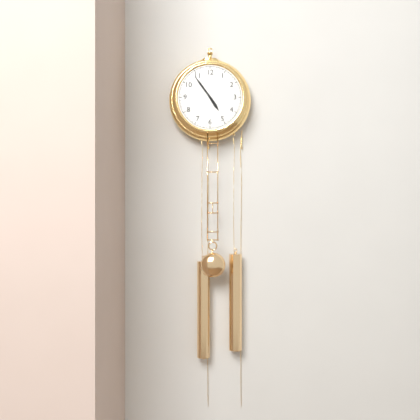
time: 4:54
